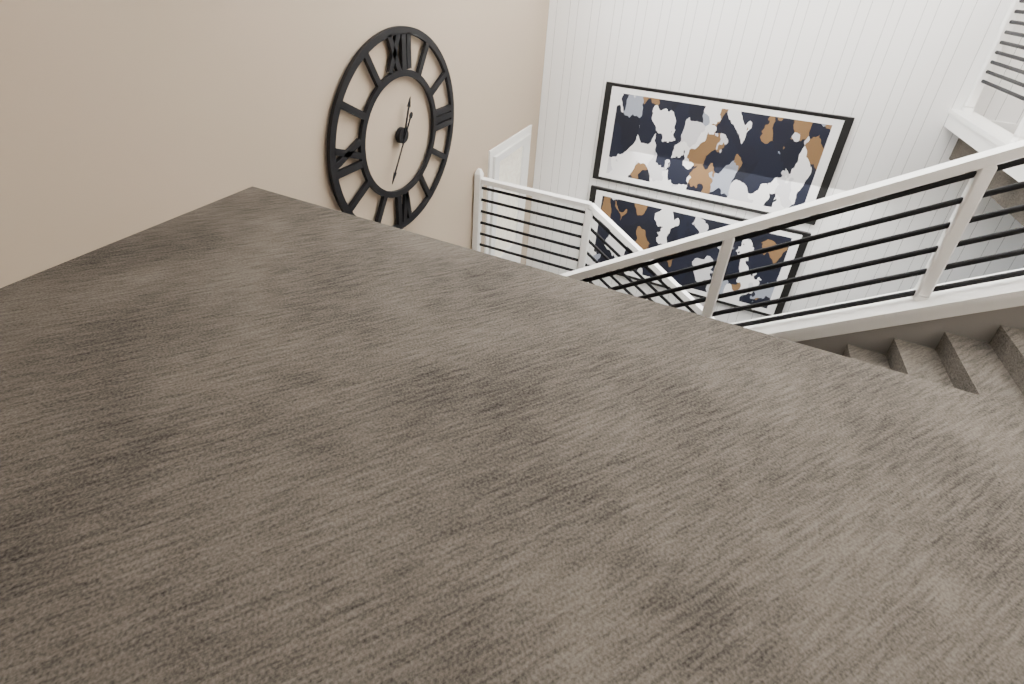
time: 12:35
